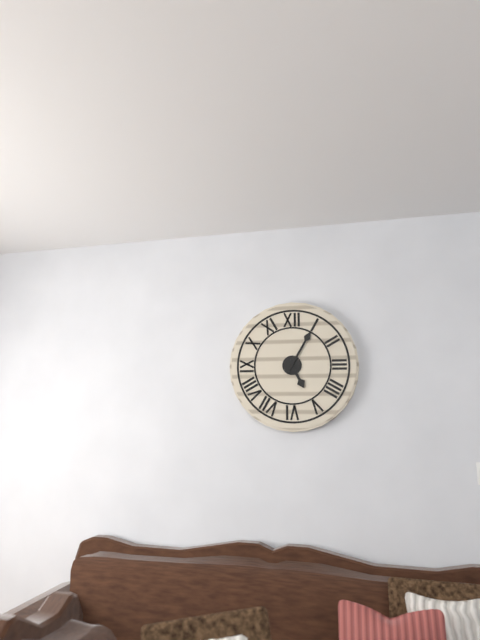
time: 5:05
